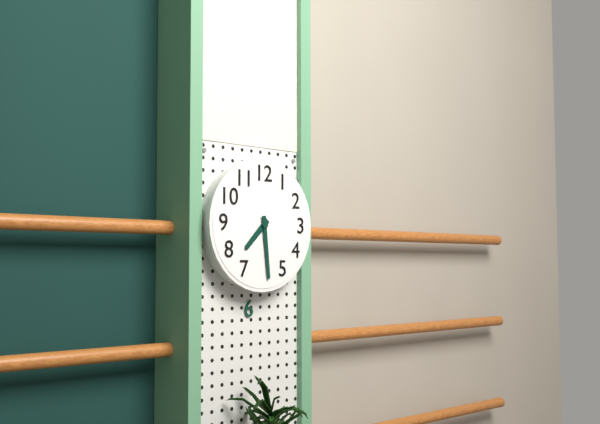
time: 7:29
